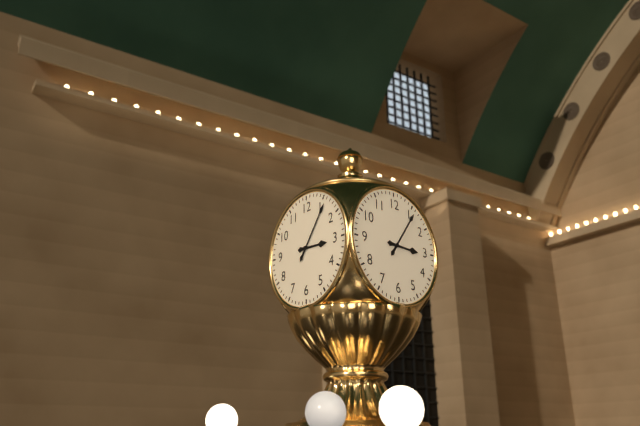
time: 3:06
